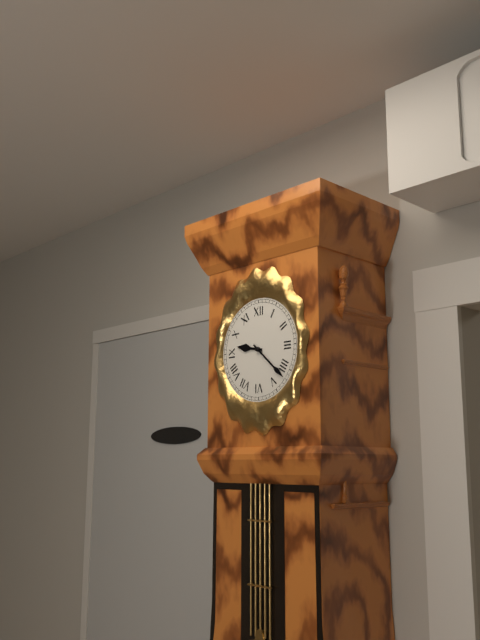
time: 9:22
